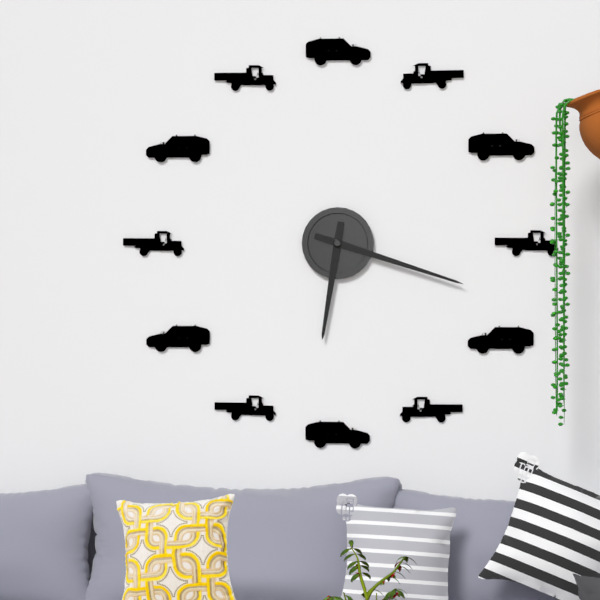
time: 6:18
